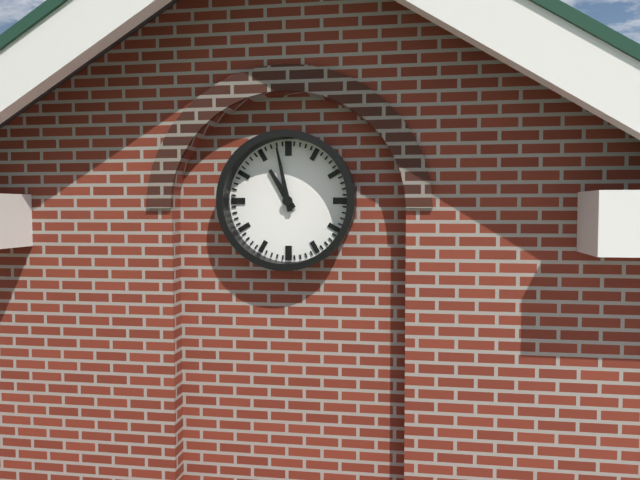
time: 10:58
